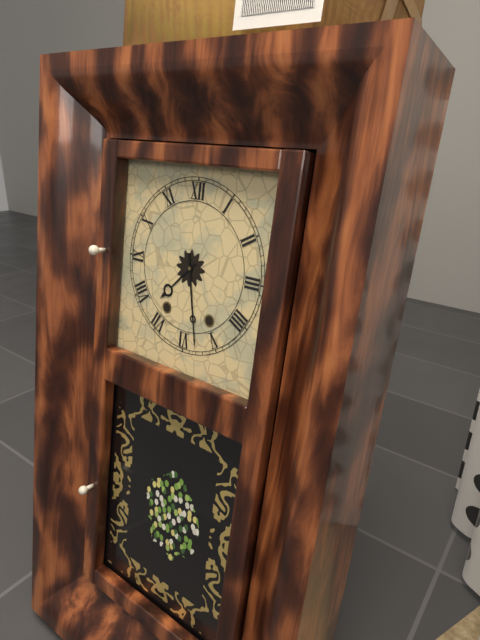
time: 7:28
